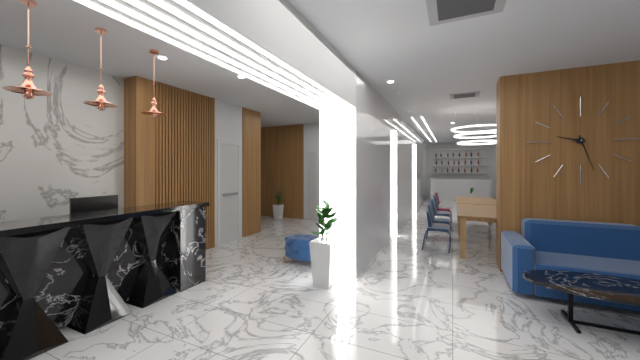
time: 9:27
